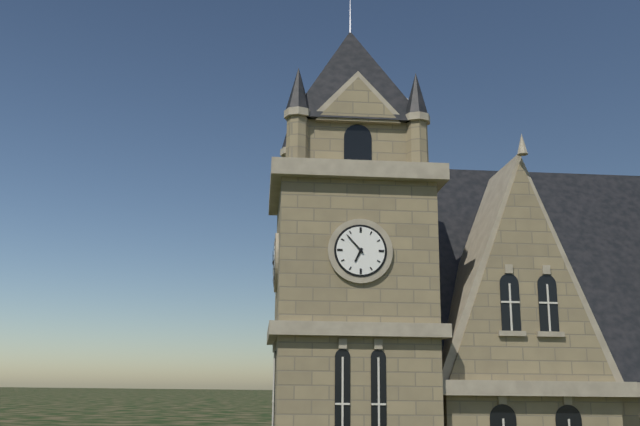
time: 6:53
